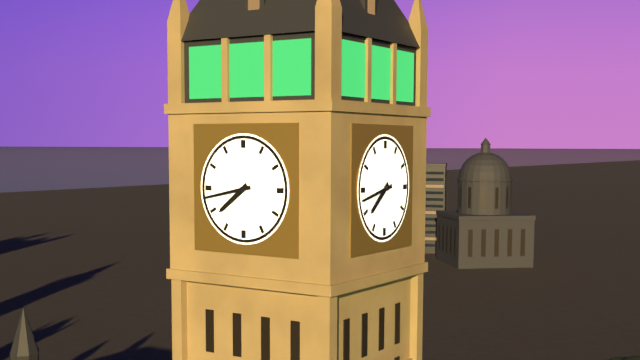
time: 7:43
